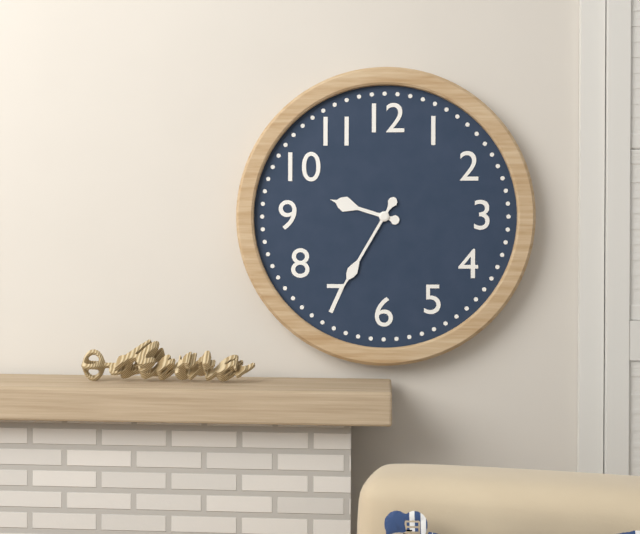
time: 9:35
